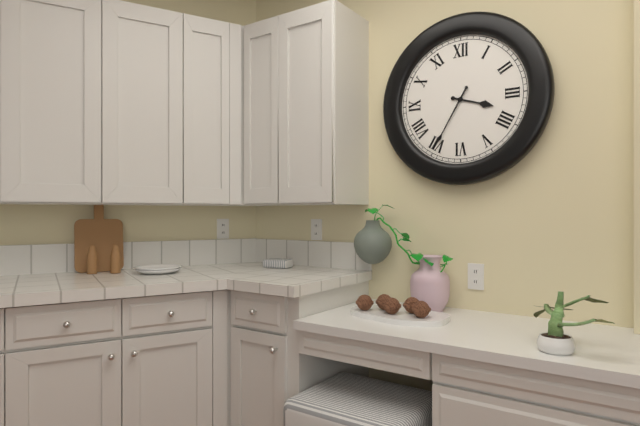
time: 3:35
